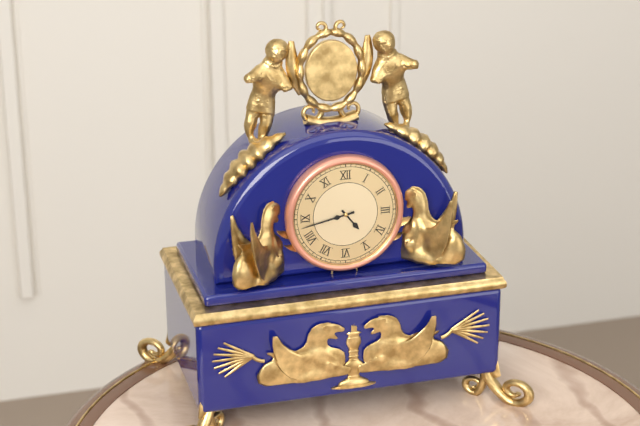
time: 4:43
